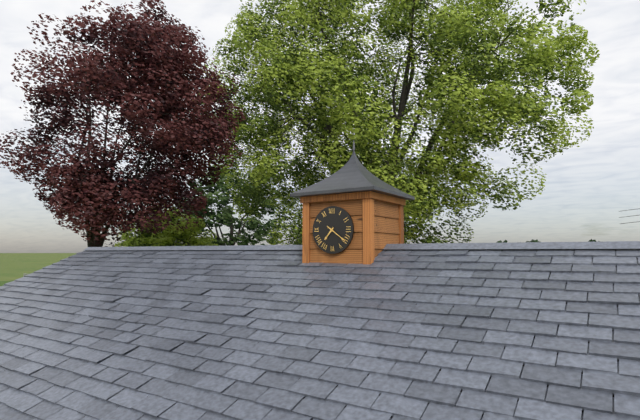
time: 7:21
